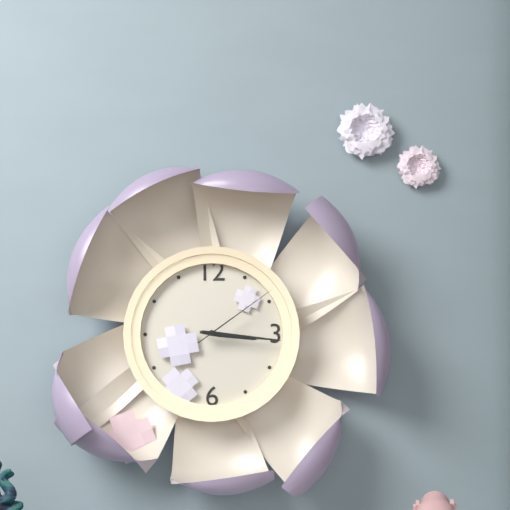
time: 3:16:09
